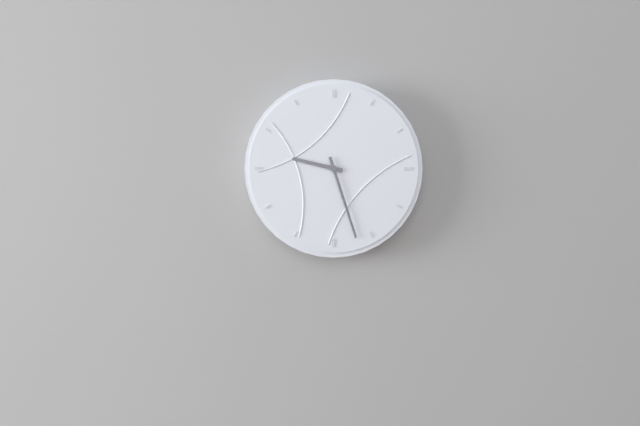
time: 9:27
